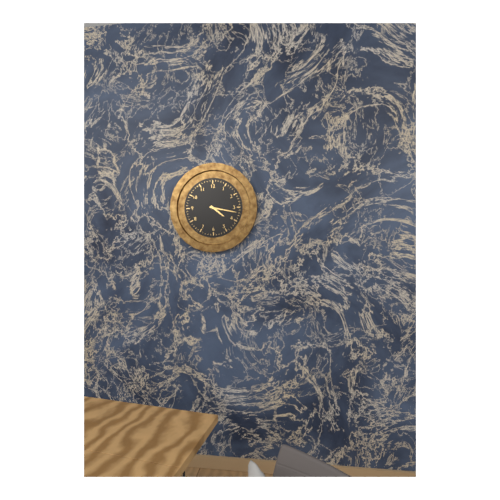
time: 4:17
